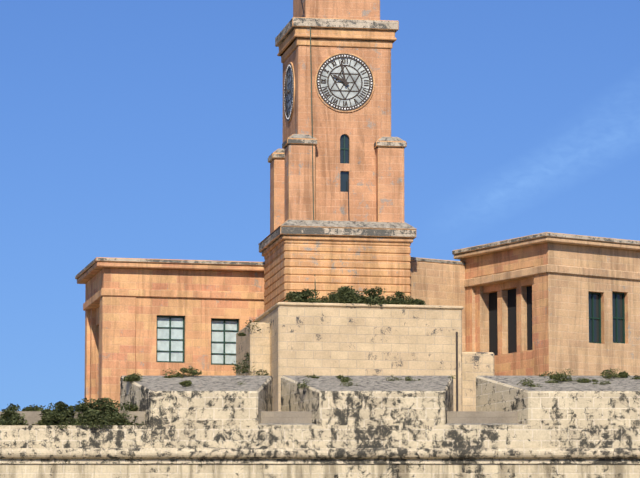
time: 9:58
